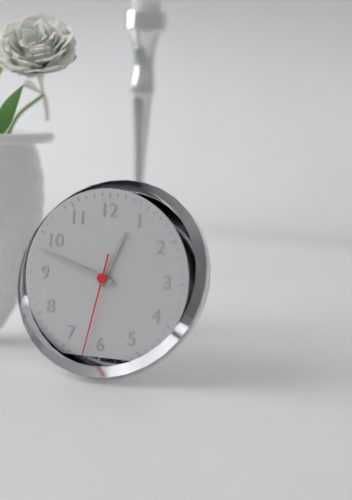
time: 12:48:32
